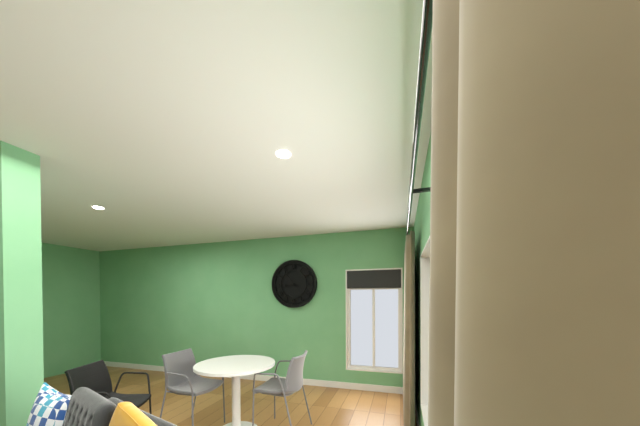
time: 8:54
